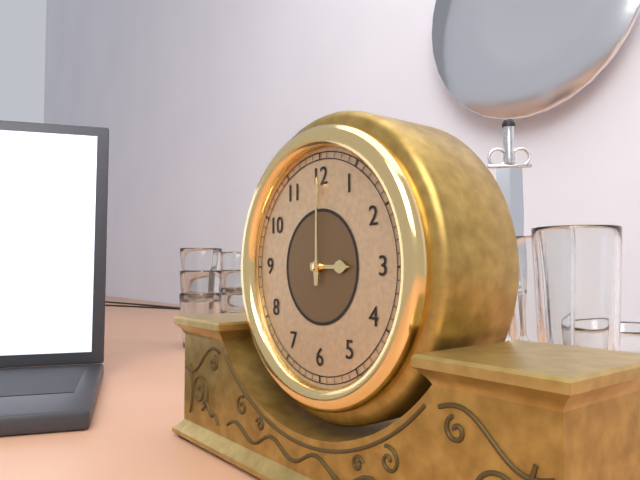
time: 3:00
